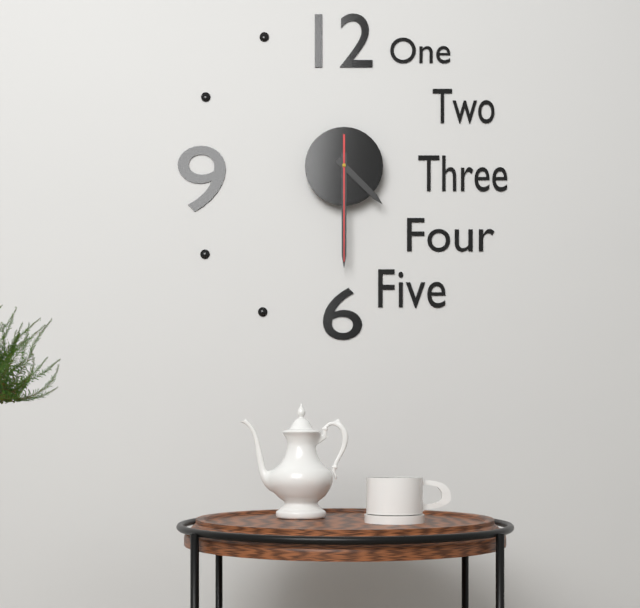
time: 4:30:30
